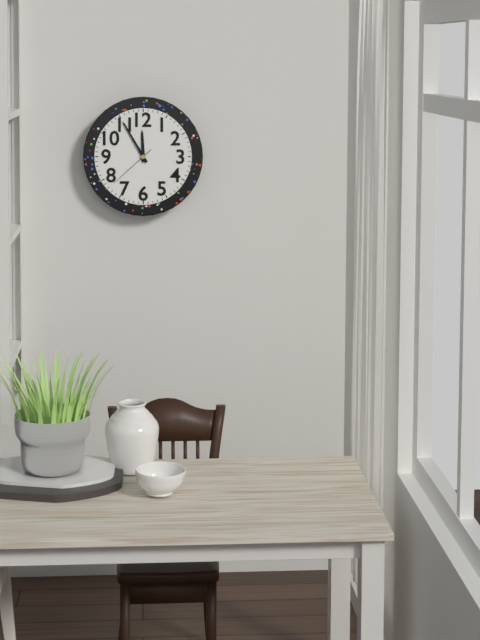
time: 11:55
